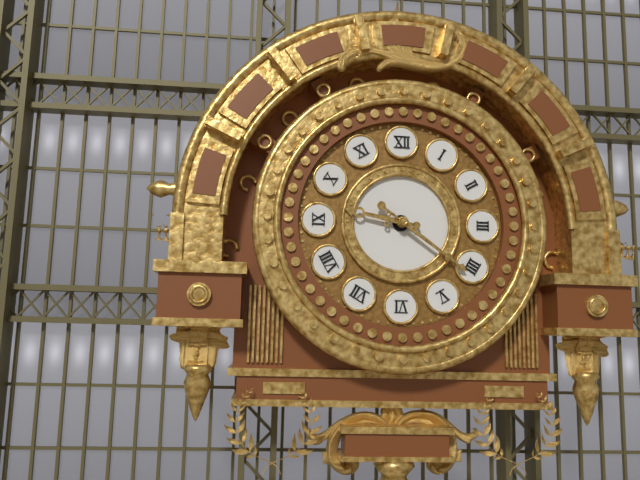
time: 9:21
